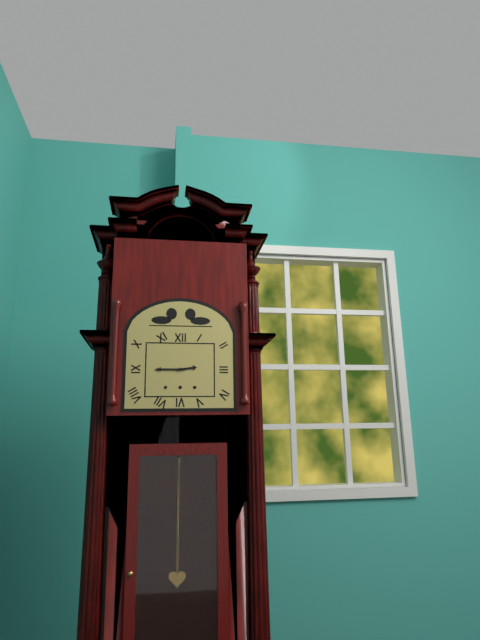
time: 2:45
